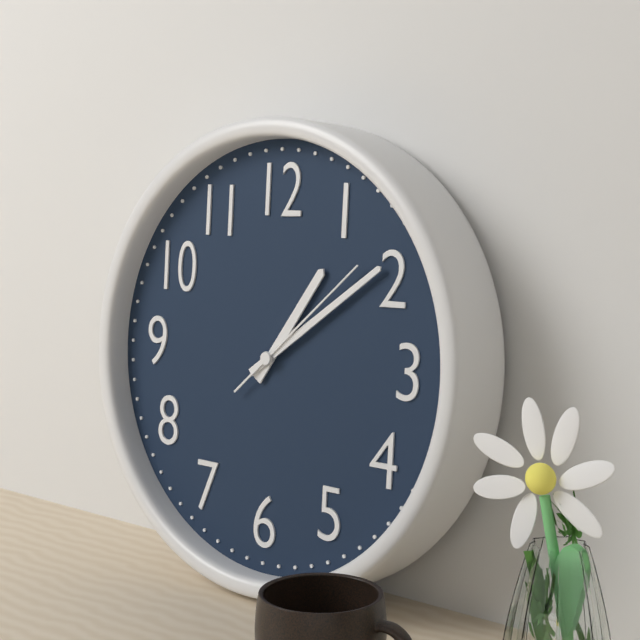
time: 1:09:08
